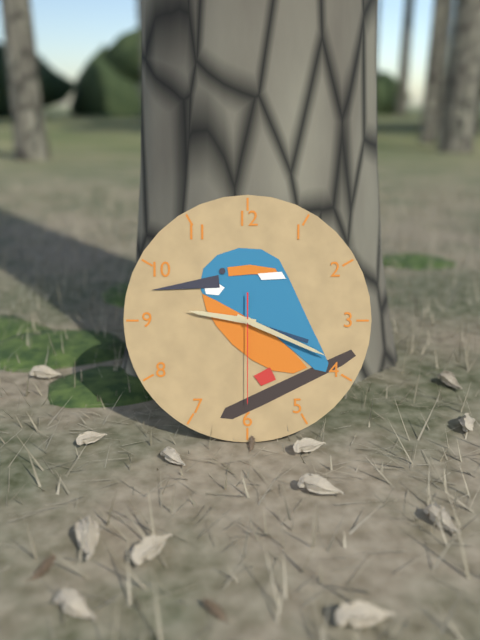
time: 9:19:30
